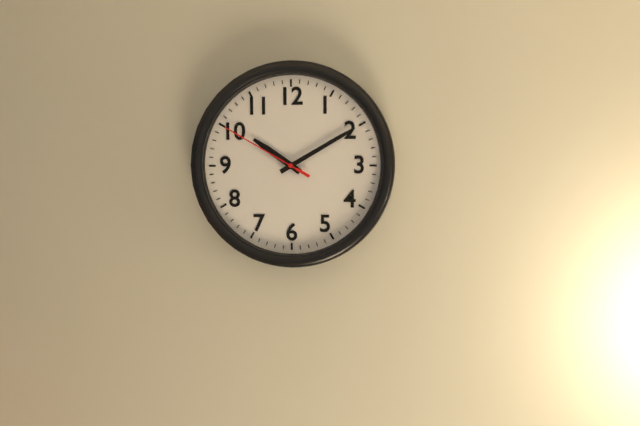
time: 10:10:50
